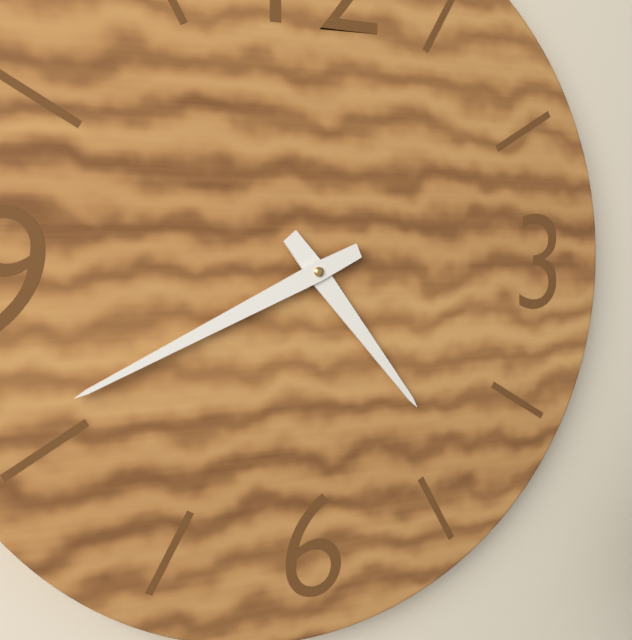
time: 4:41
